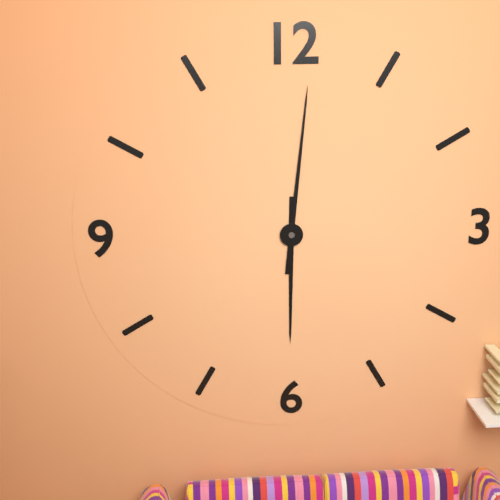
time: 6:01
